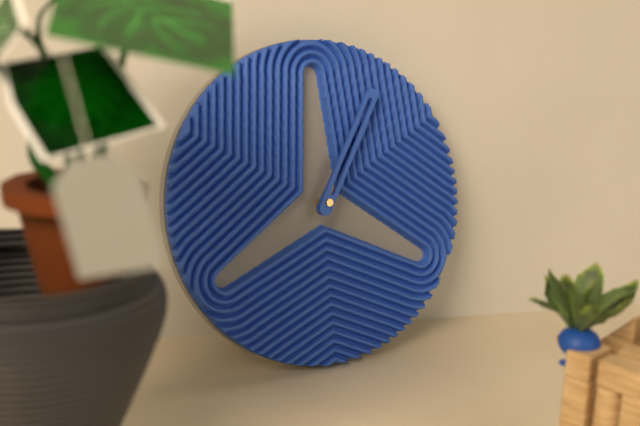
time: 1:05
